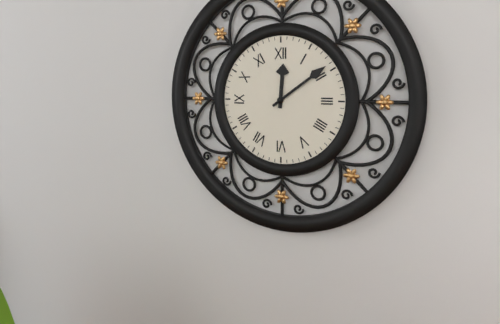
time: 12:09
